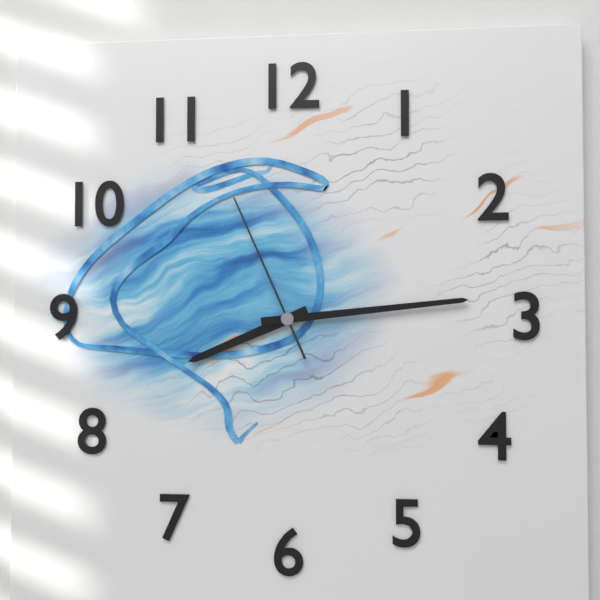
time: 8:14:56
